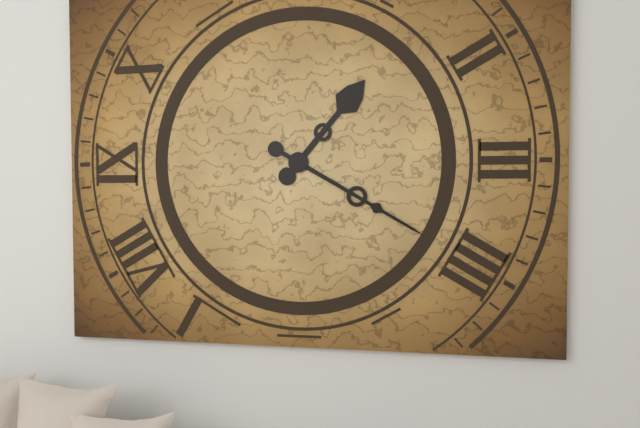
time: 1:20
